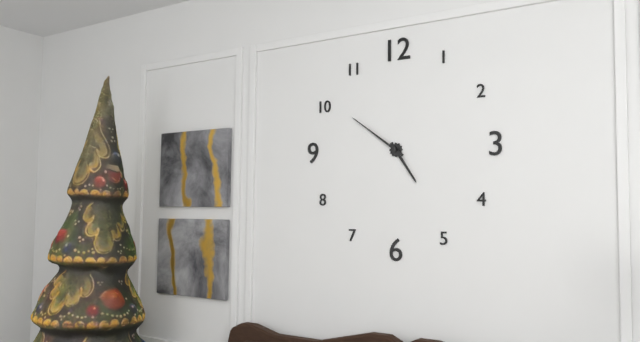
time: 4:51
